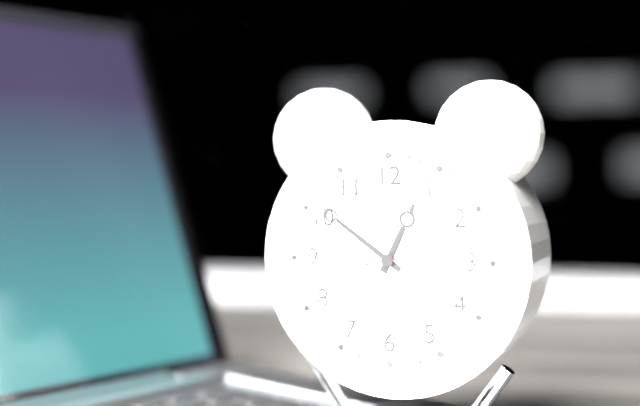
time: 12:51:13
